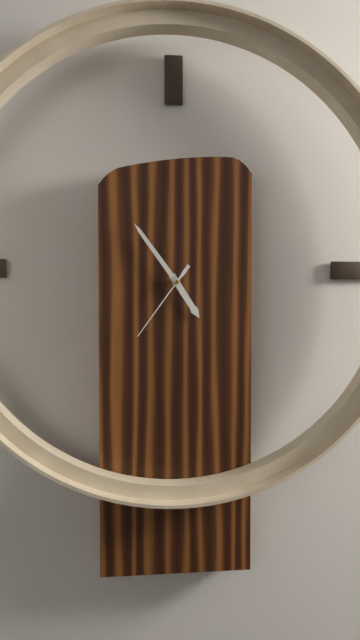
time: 4:54:36
